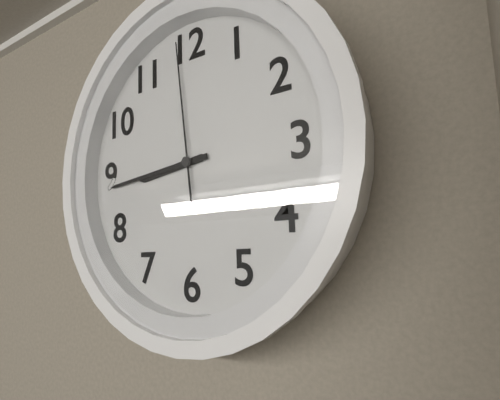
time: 8:44:59
